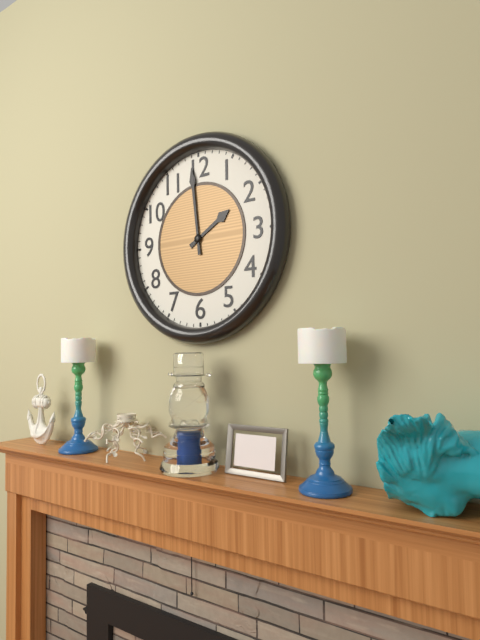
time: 1:59
